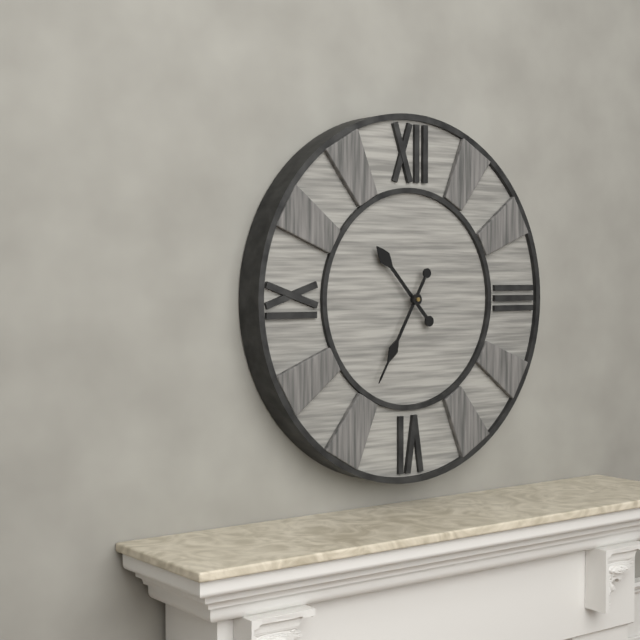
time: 10:35
